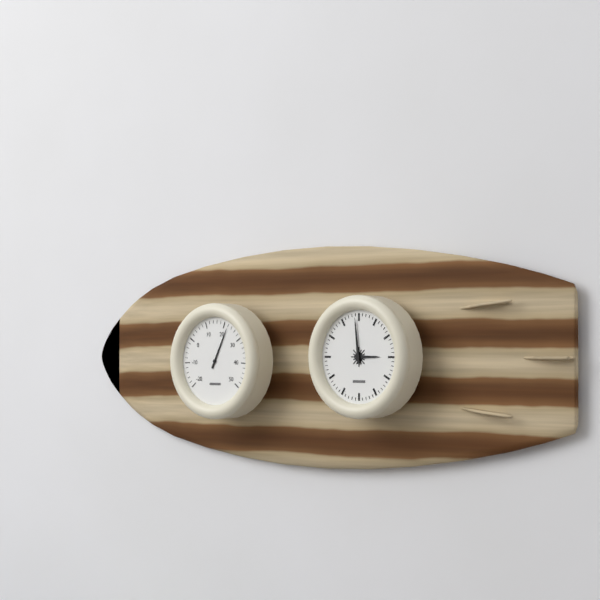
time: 2:59
